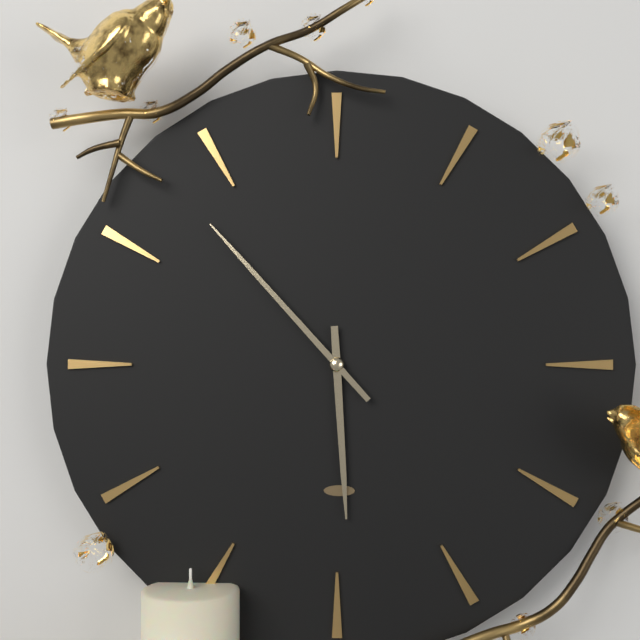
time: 5:53
